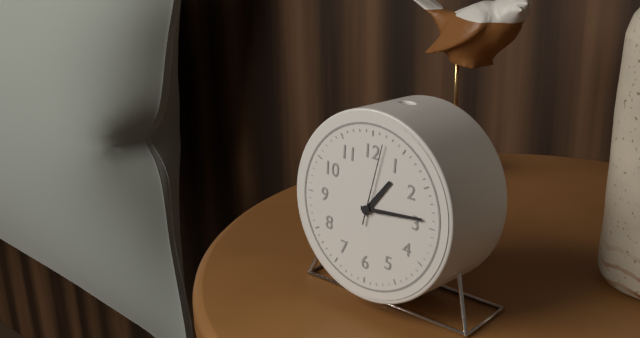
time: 1:14:02
